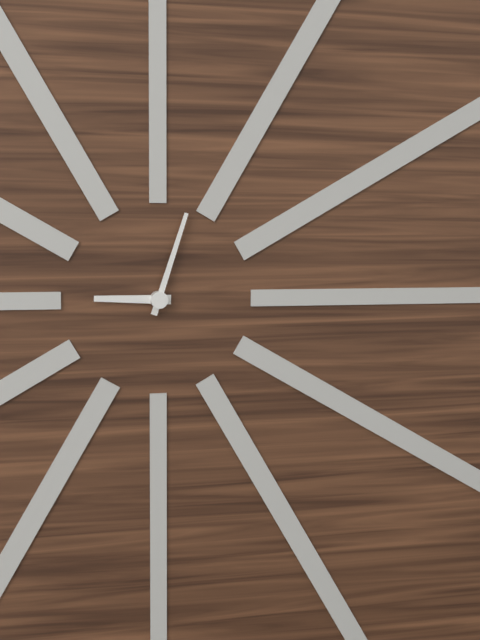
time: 9:03
